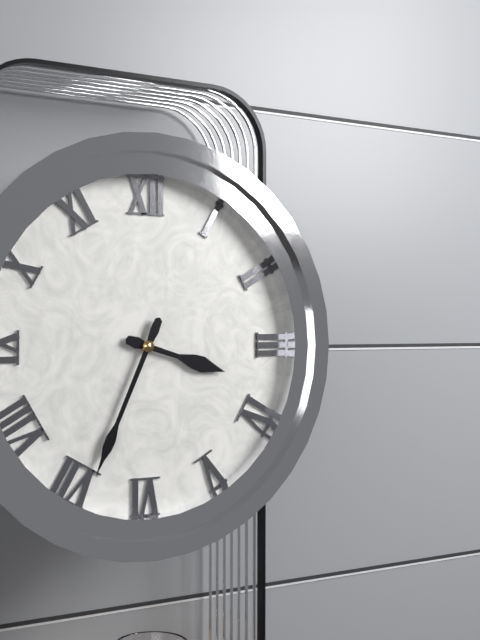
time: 3:34
